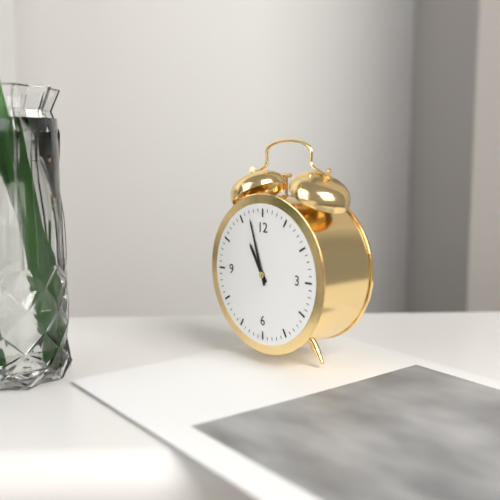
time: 10:57
